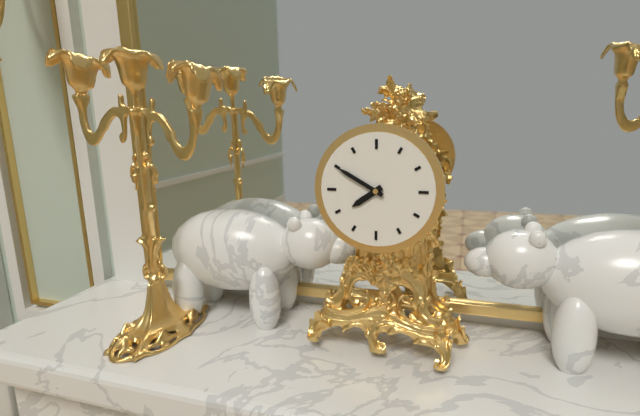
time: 7:50
